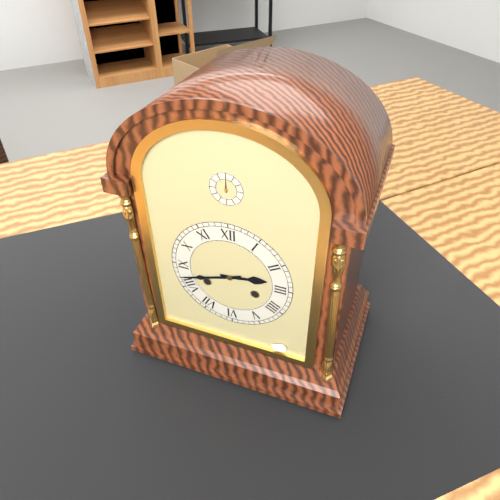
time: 2:42
